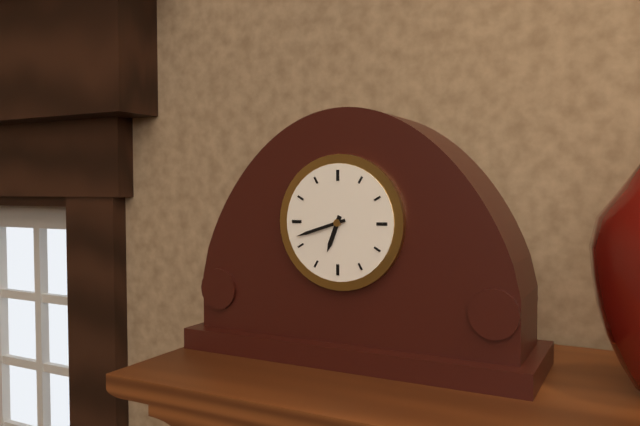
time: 6:42
